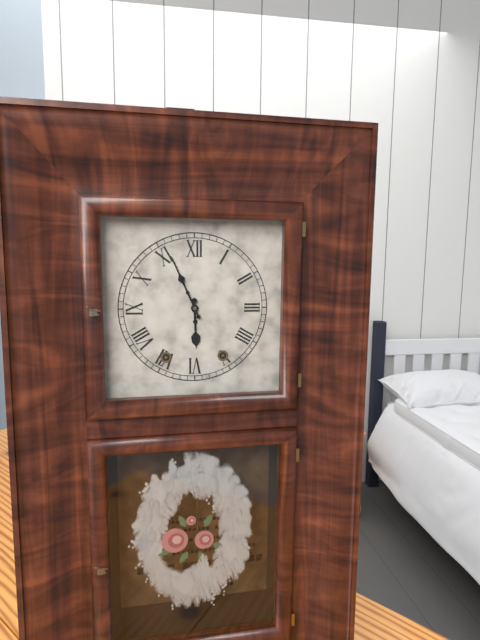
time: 5:56
